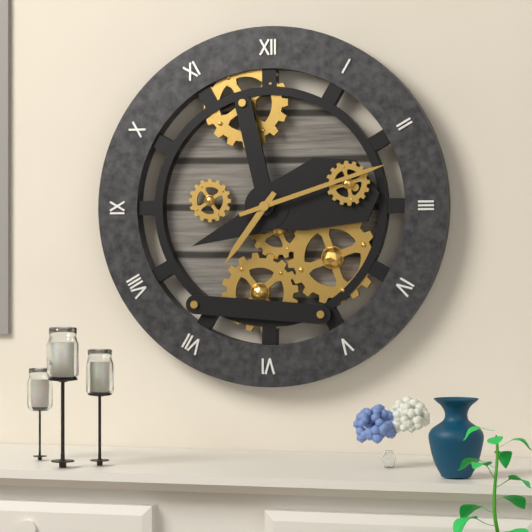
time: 7:12
